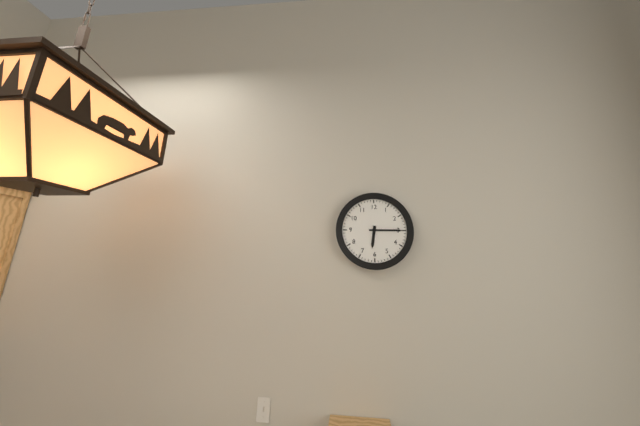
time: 6:15
